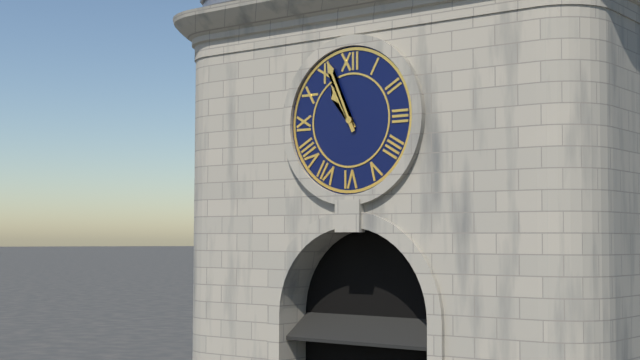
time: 10:56
